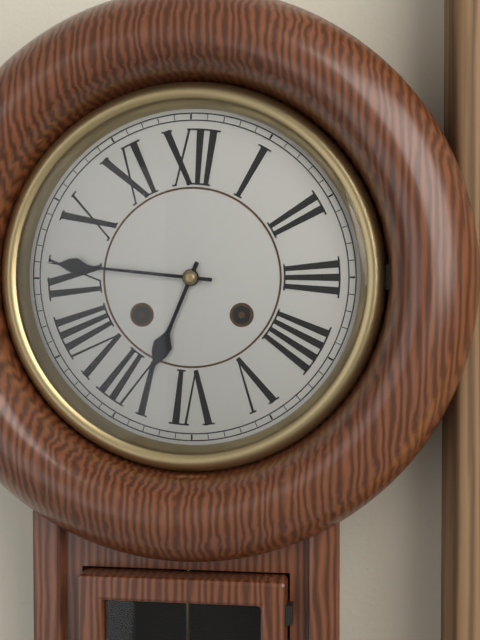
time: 6:46
